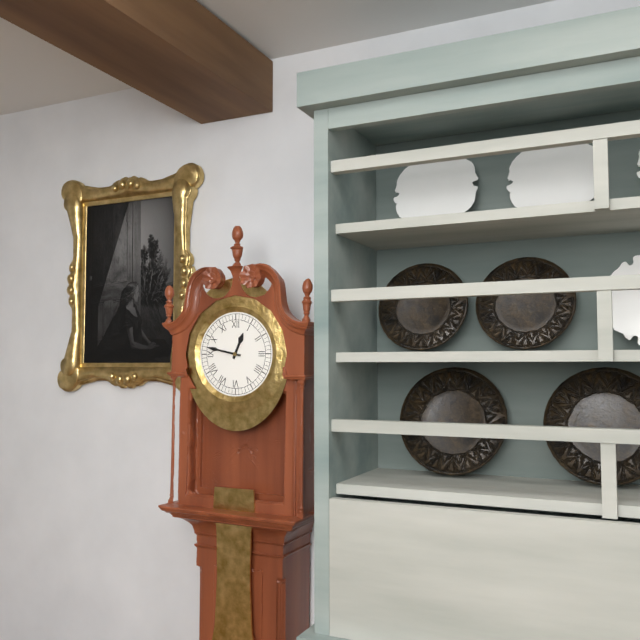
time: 12:47
